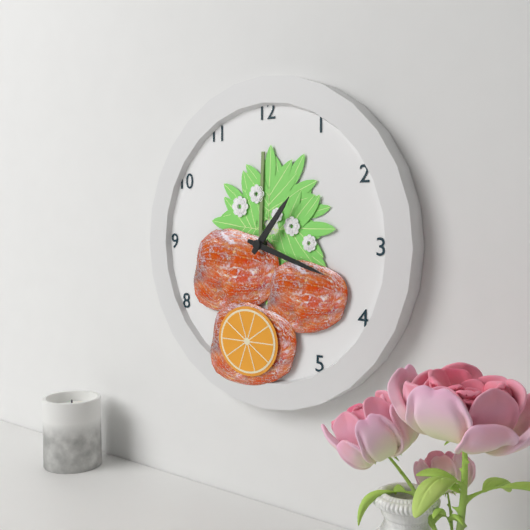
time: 1:18
